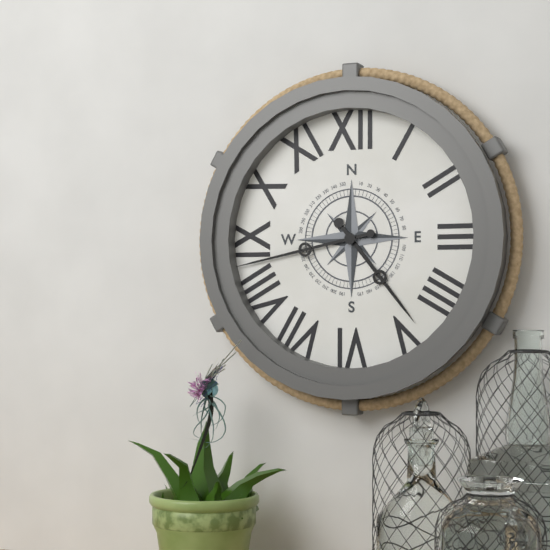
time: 4:43
